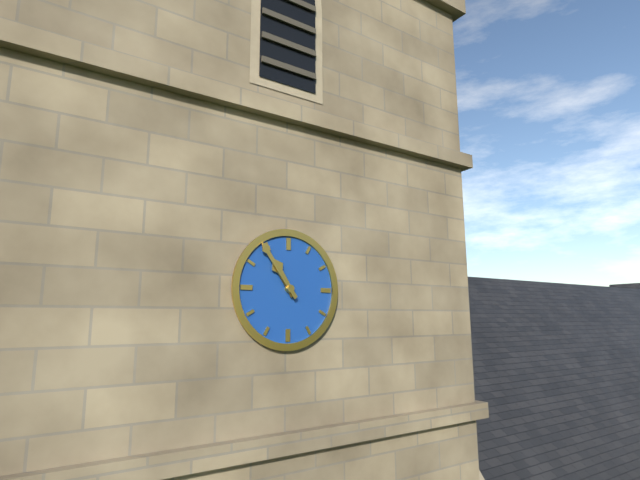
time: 10:54
